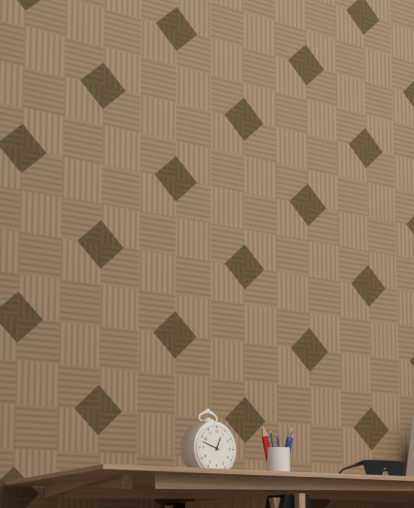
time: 12:48
